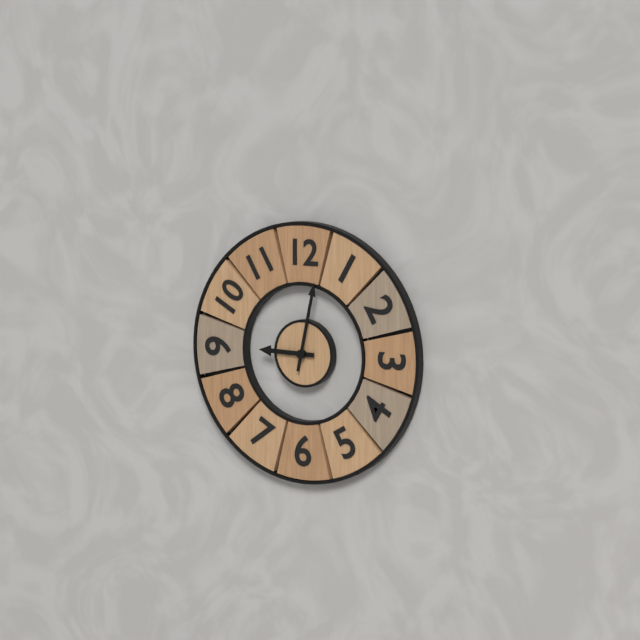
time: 9:02
